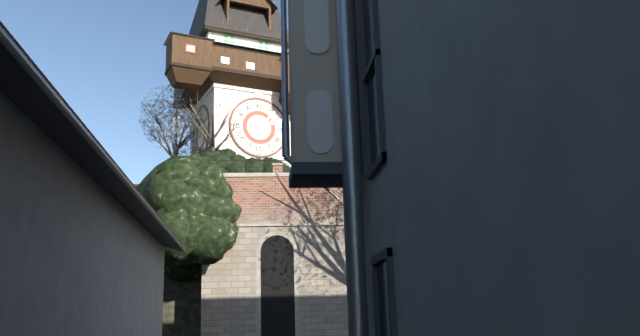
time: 2:07
